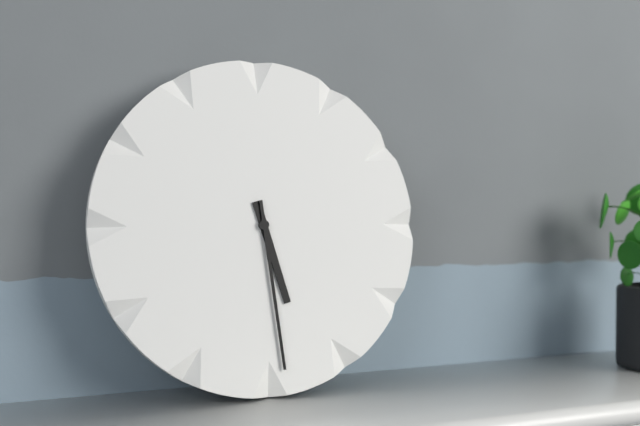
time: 5:29
